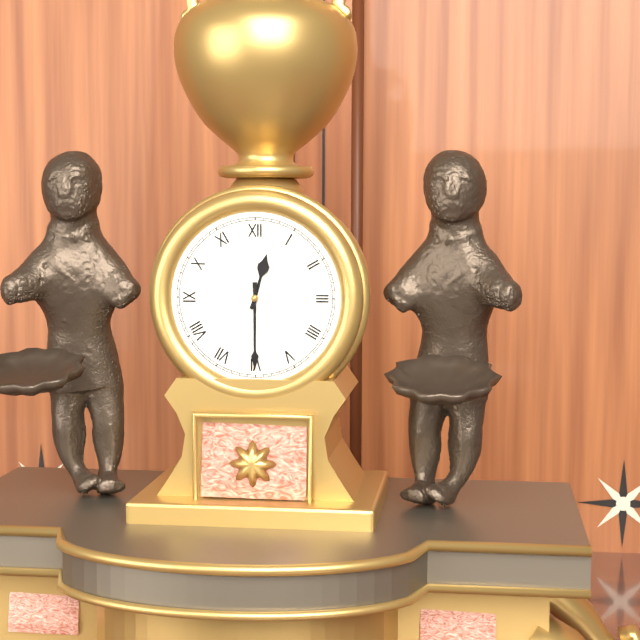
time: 12:30
